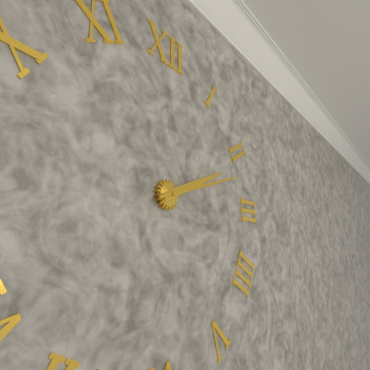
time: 2:12
